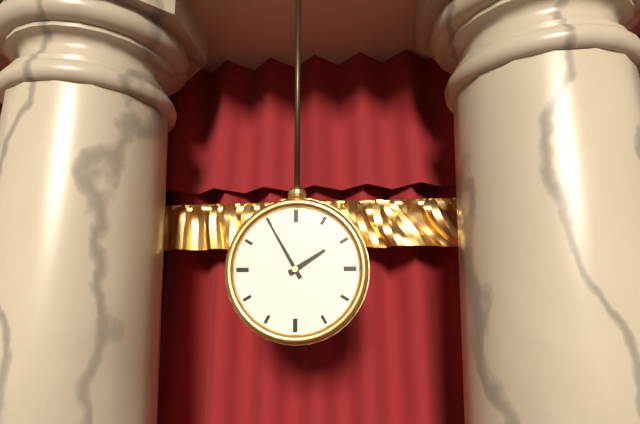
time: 1:55
